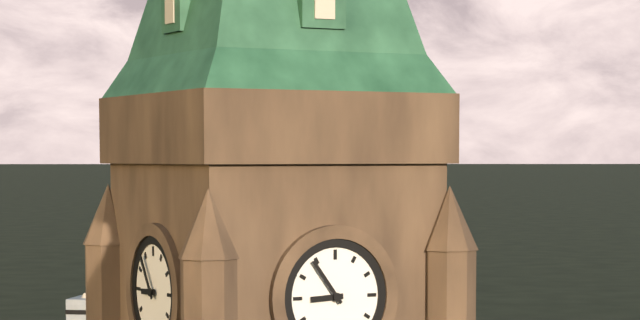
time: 8:54
